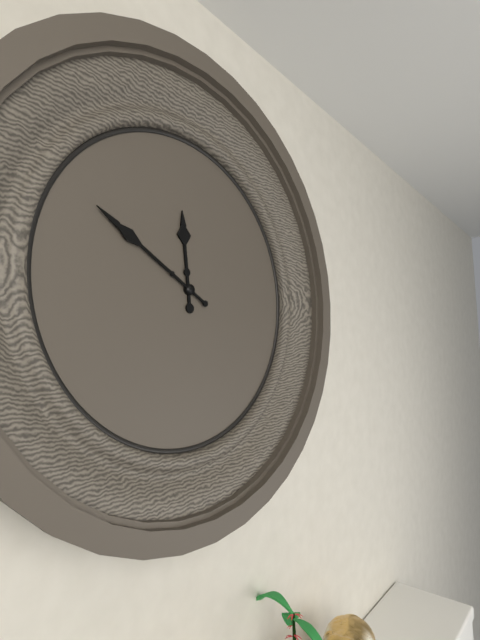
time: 11:50
